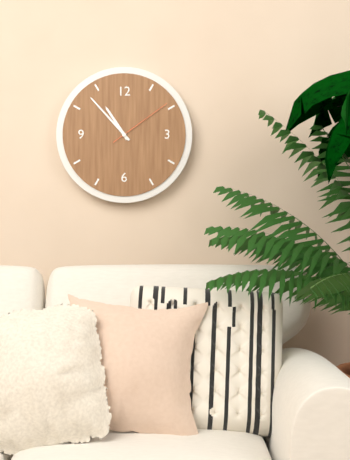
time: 10:53:09
